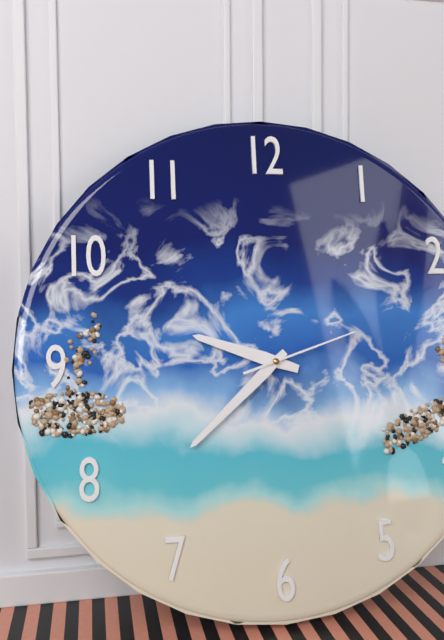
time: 9:38:12
